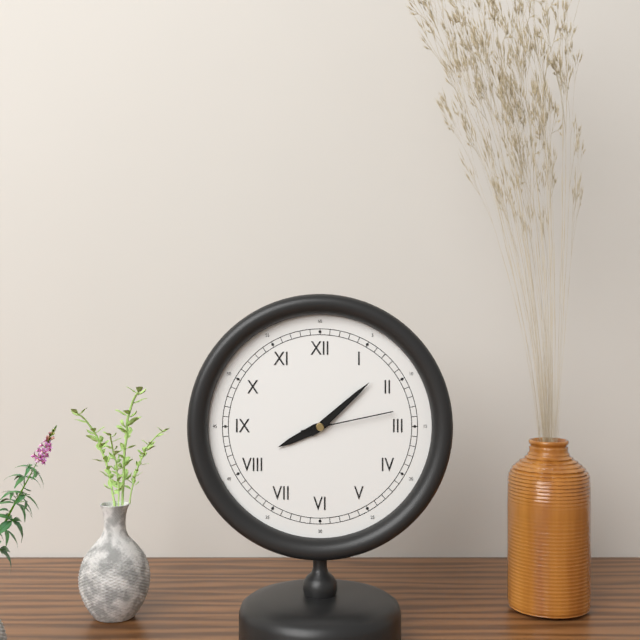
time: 8:08:13
